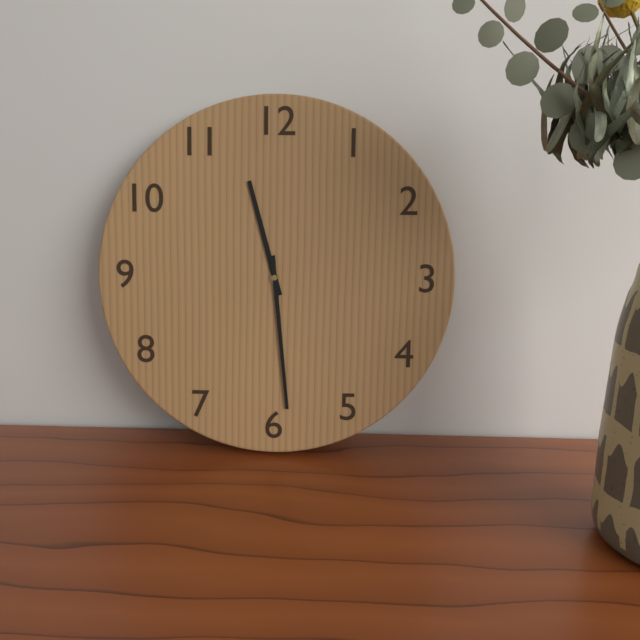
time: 11:29
